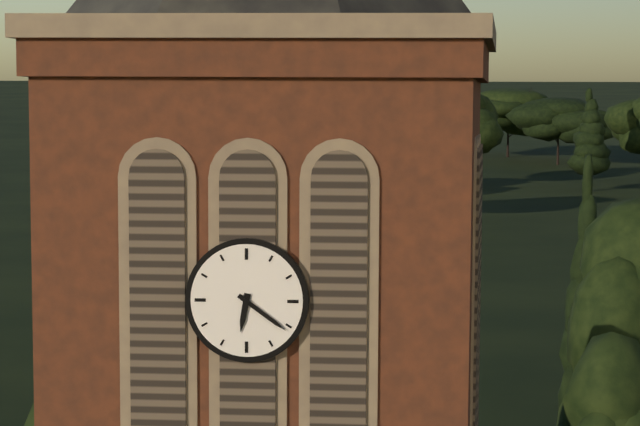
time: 6:21
